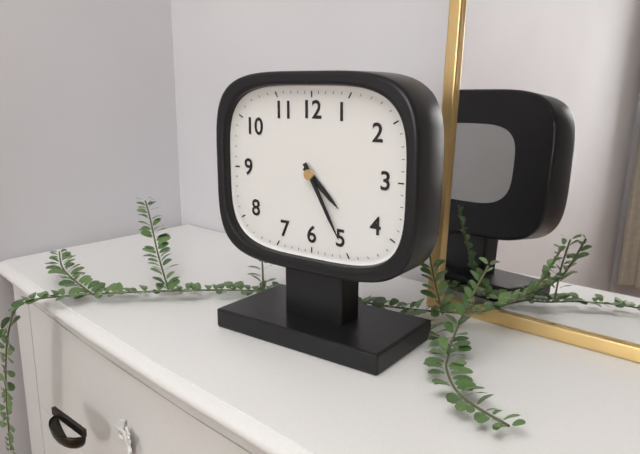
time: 4:25
